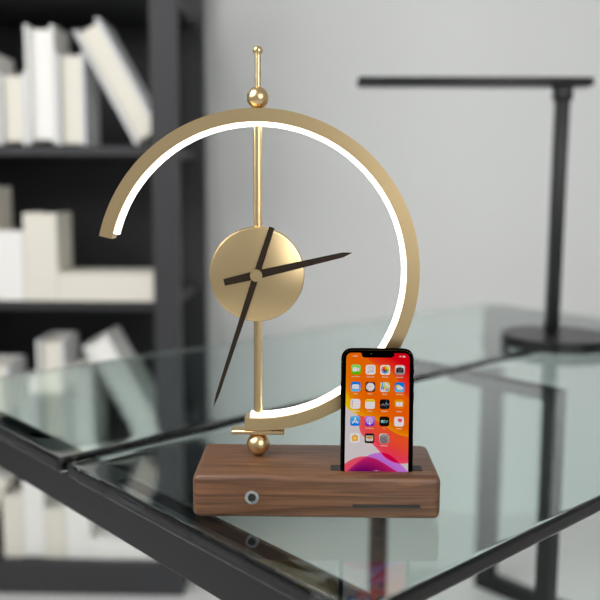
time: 2:33
